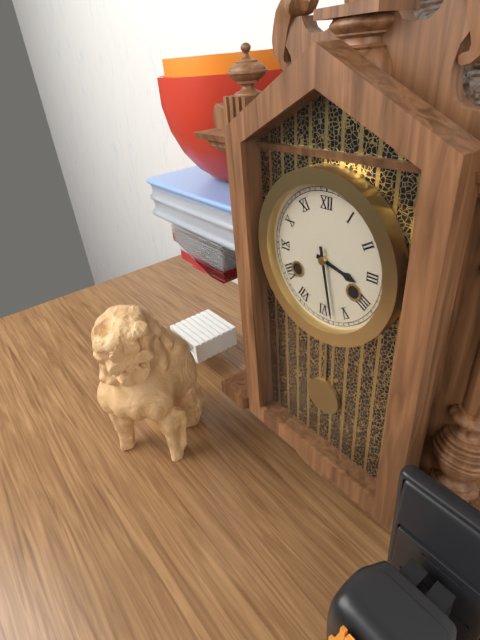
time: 3:28
